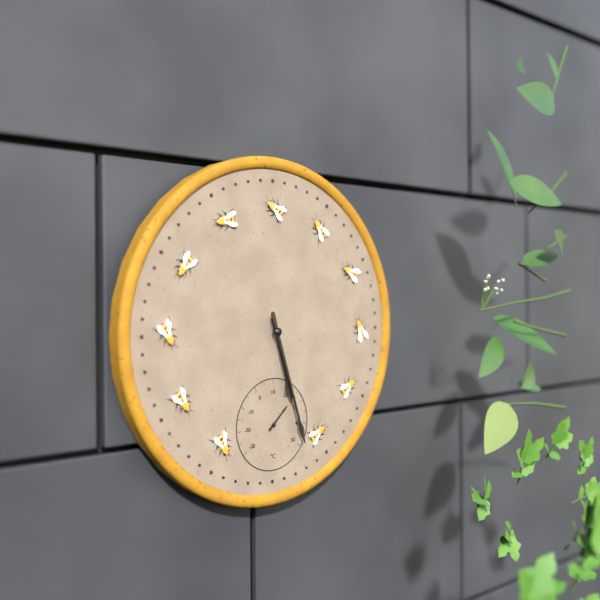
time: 5:27
